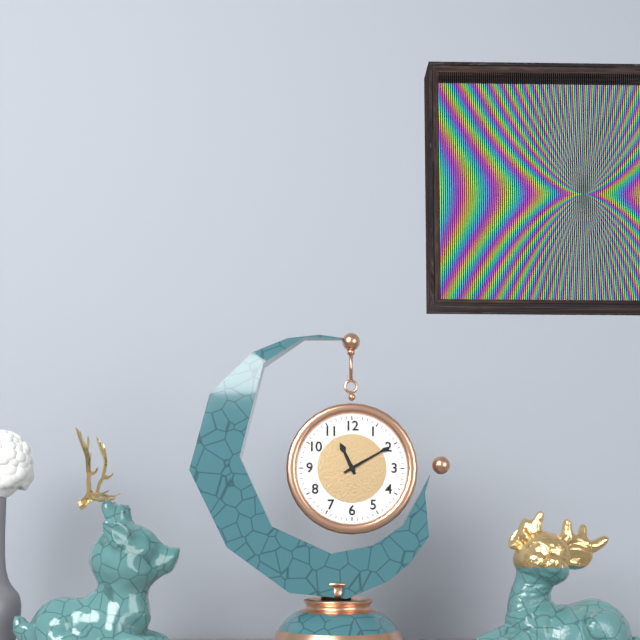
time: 11:10
